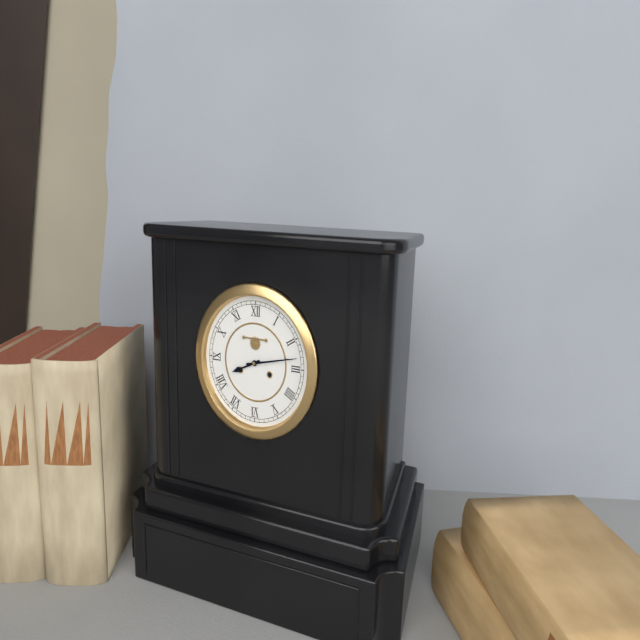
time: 8:13
